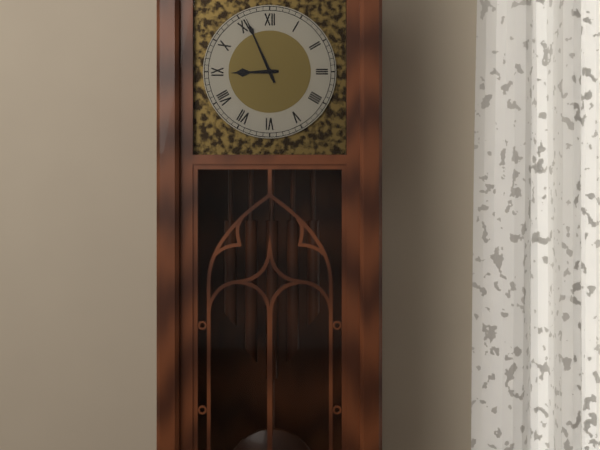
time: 8:56
